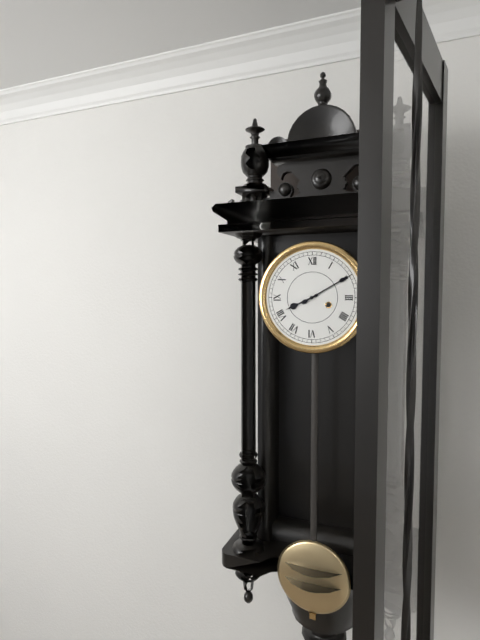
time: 8:10
